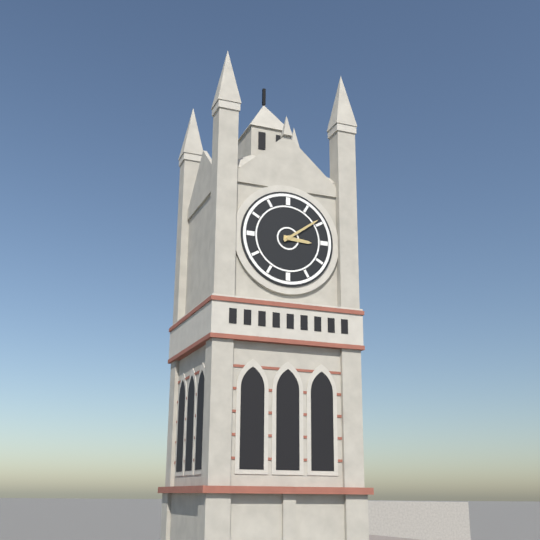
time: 3:09
